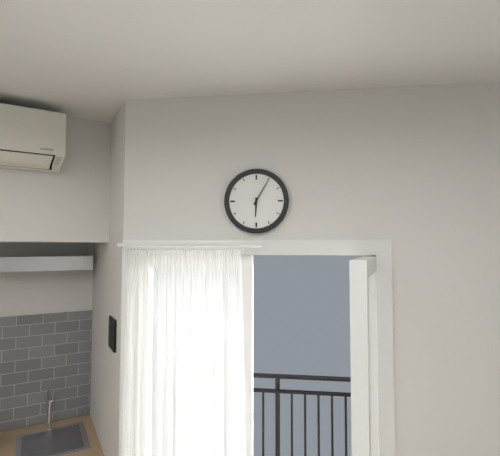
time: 6:05
